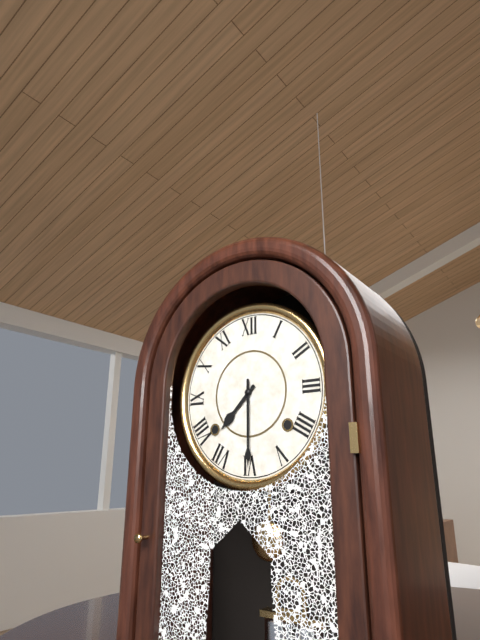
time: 7:30
